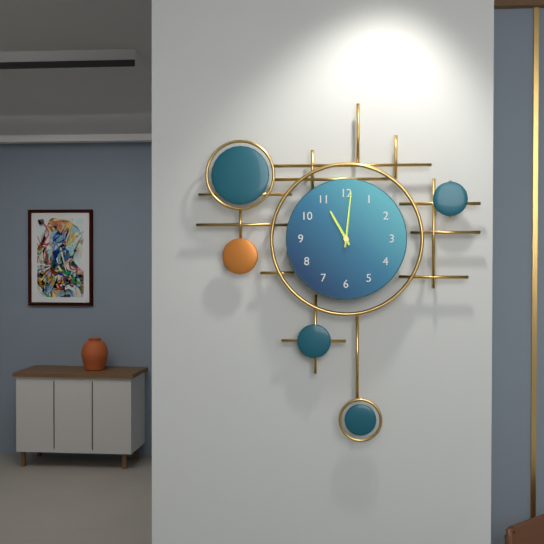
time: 11:01
